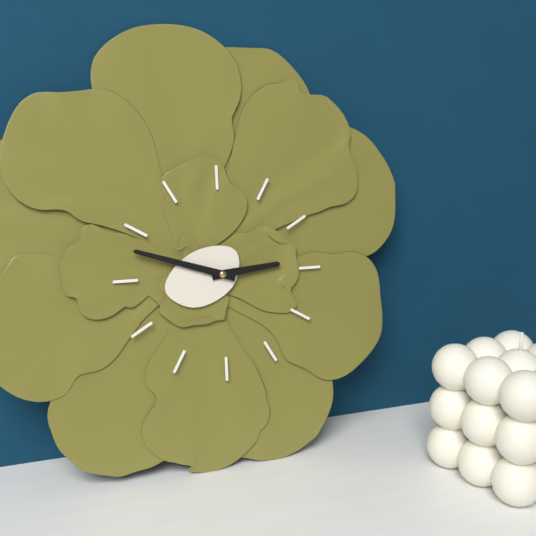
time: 2:48
